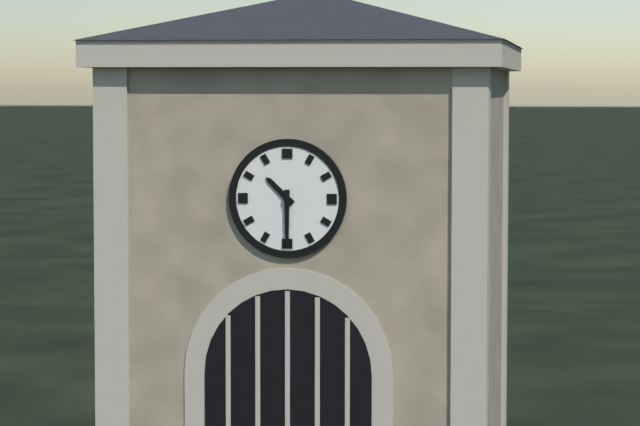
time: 10:30
